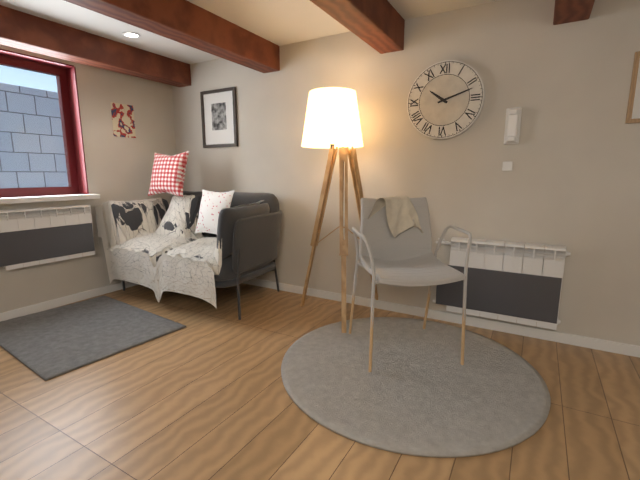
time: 10:12
